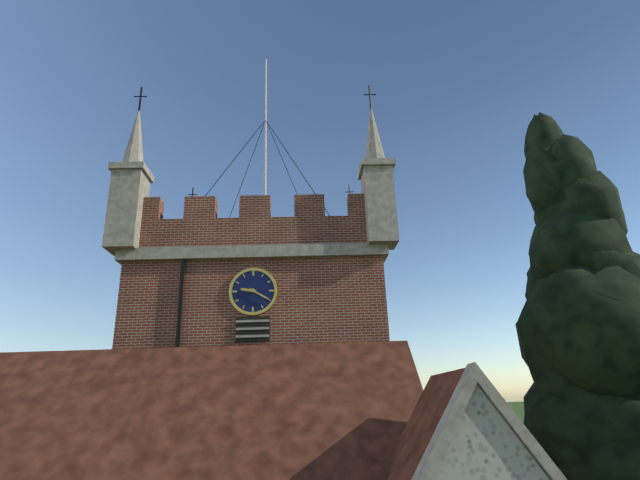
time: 9:20
